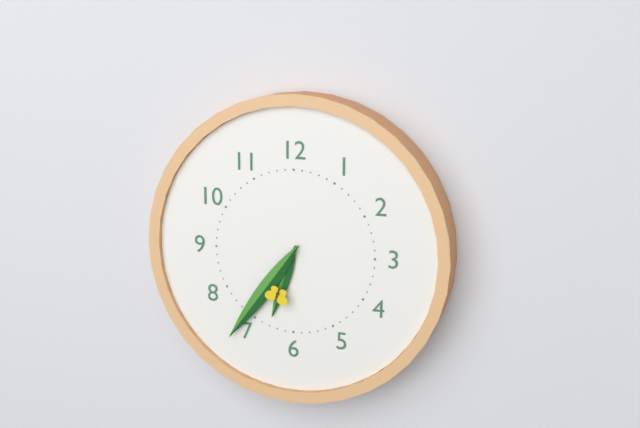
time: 6:36
